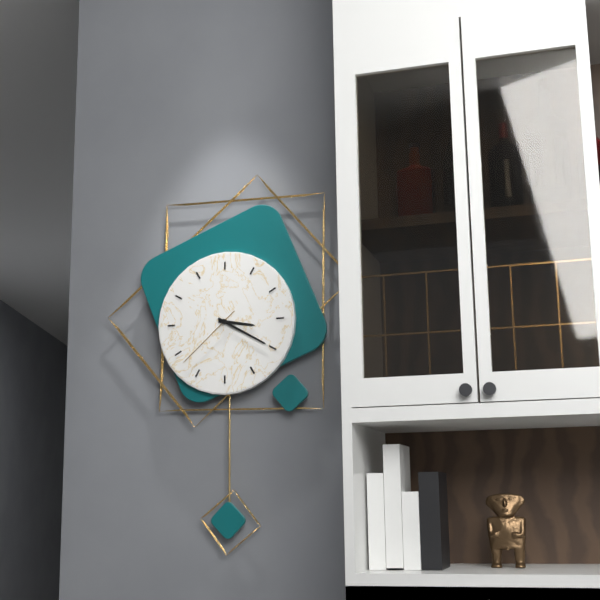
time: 3:20:38
